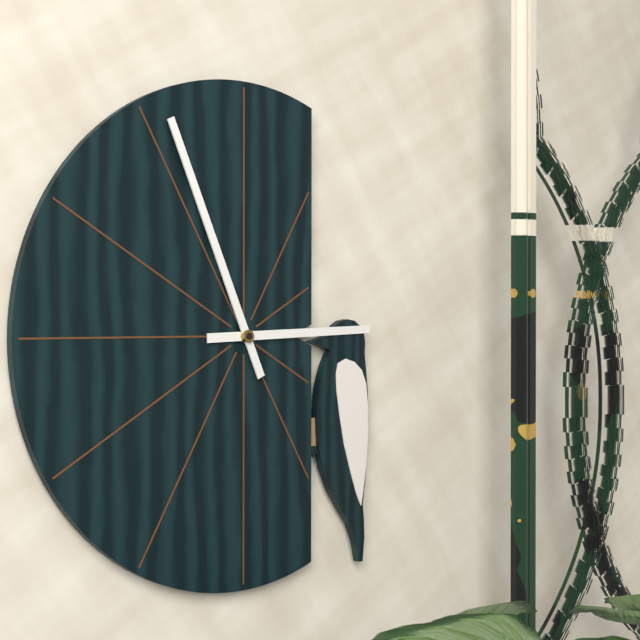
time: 2:56
